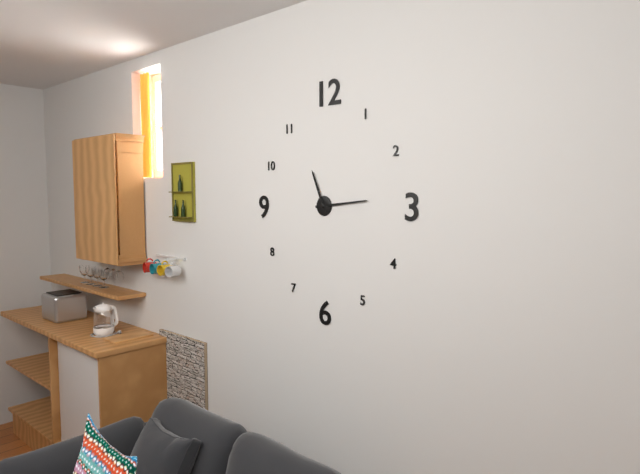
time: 11:14
